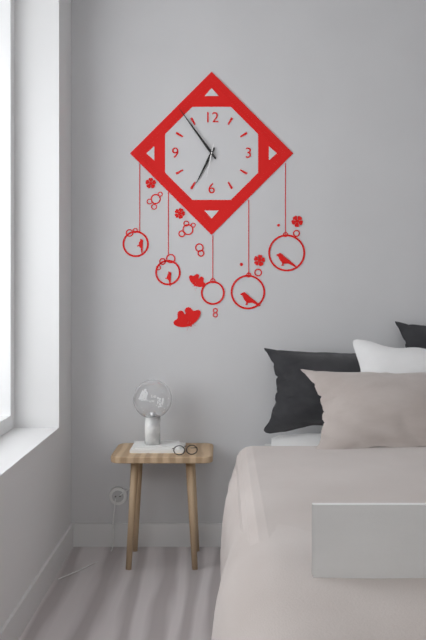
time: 6:54
